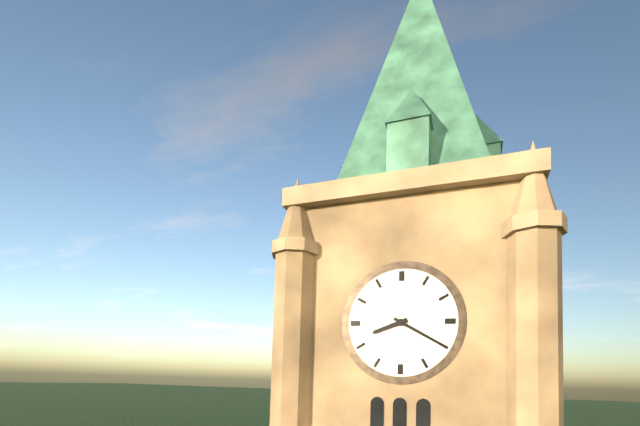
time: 8:20
